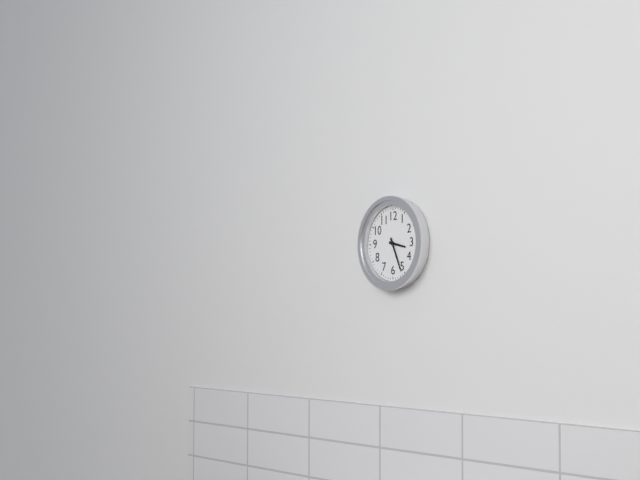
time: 3:26
